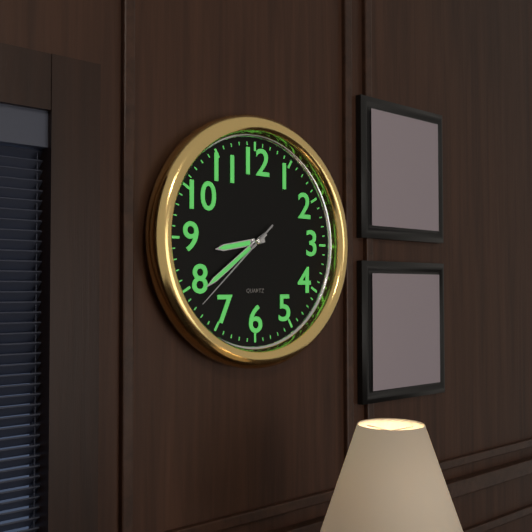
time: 8:39:38
